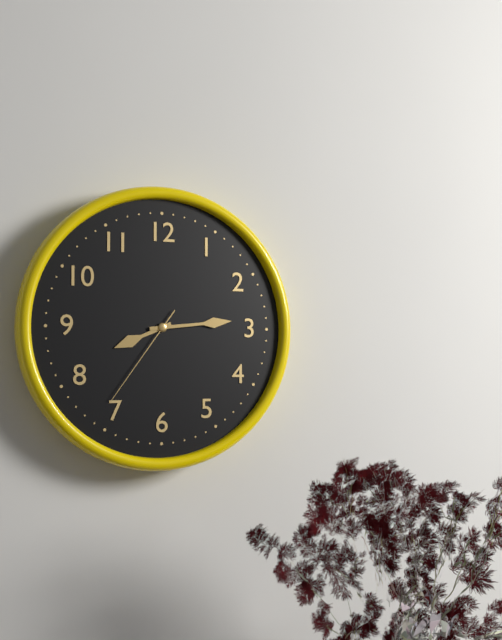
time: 8:14:36
